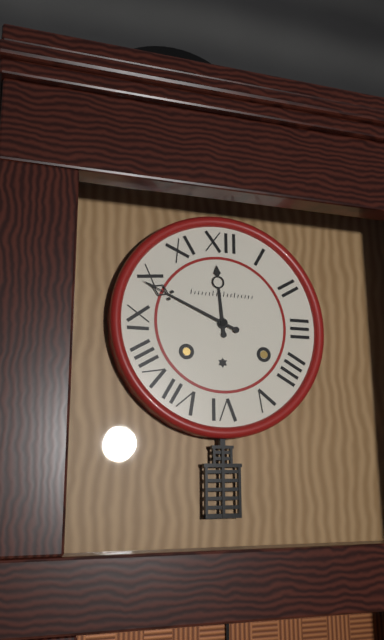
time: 11:49
